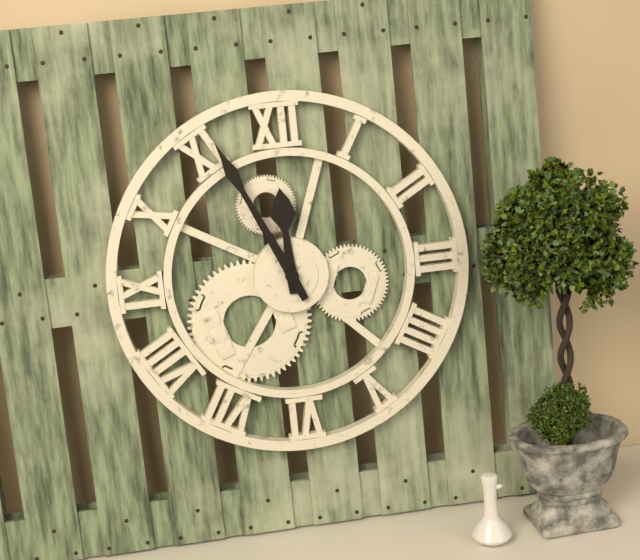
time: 11:56
